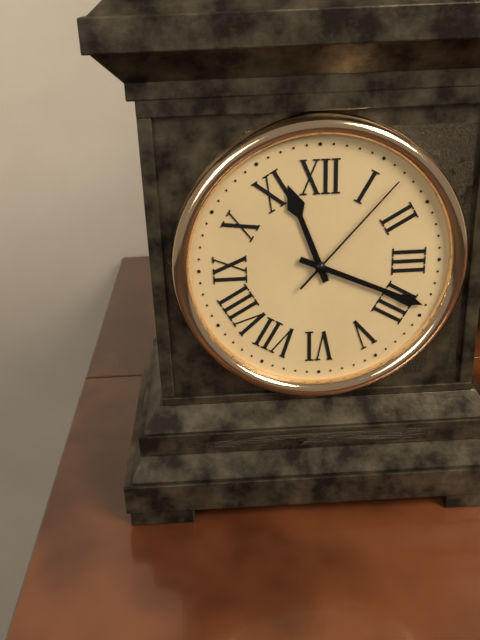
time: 11:19:07
